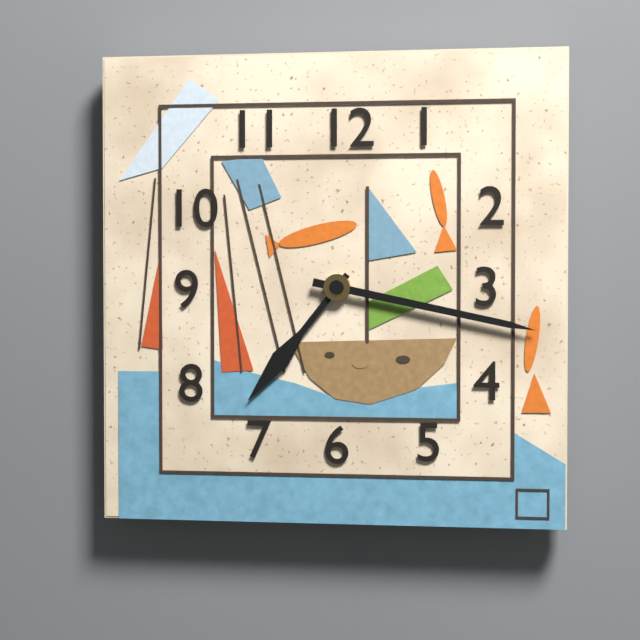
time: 7:17
